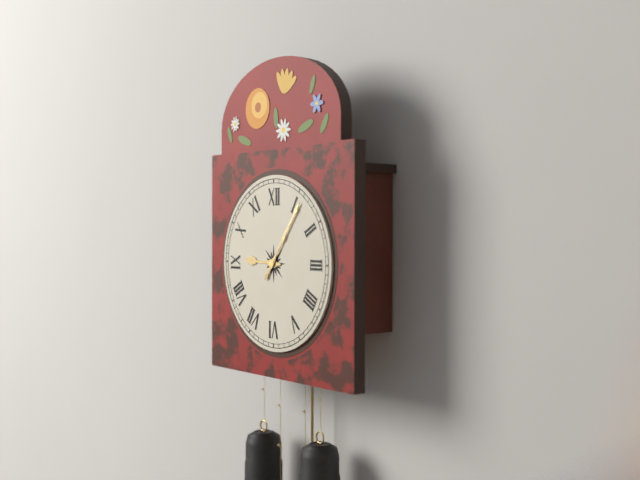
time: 9:06
